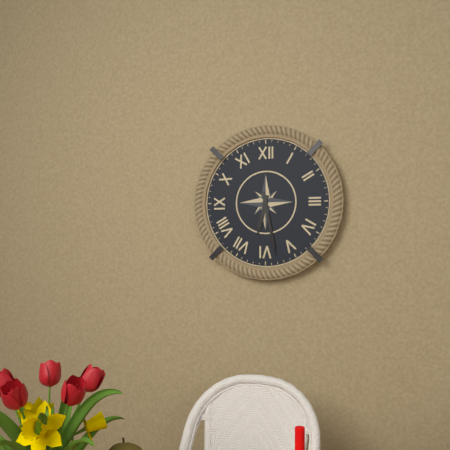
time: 6:28
